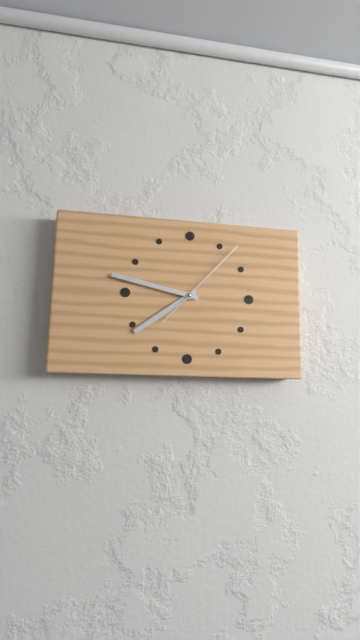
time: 7:47:07
